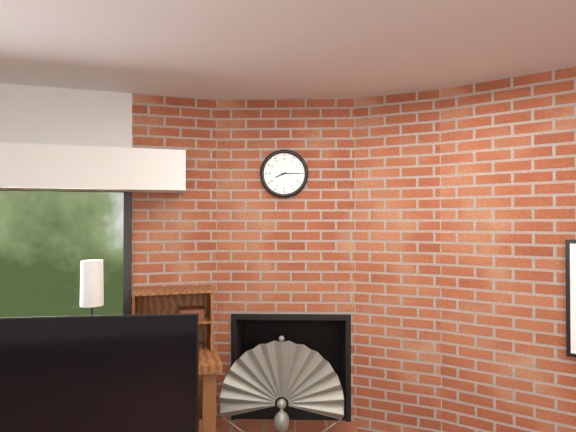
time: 8:15
